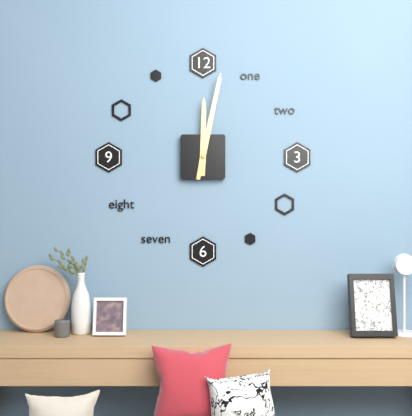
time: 12:02
